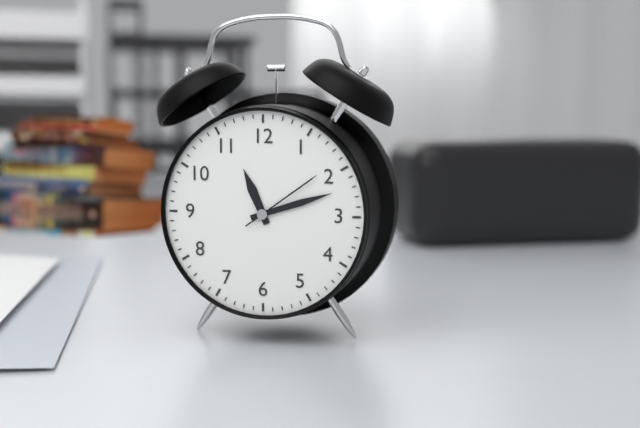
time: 11:12:09
